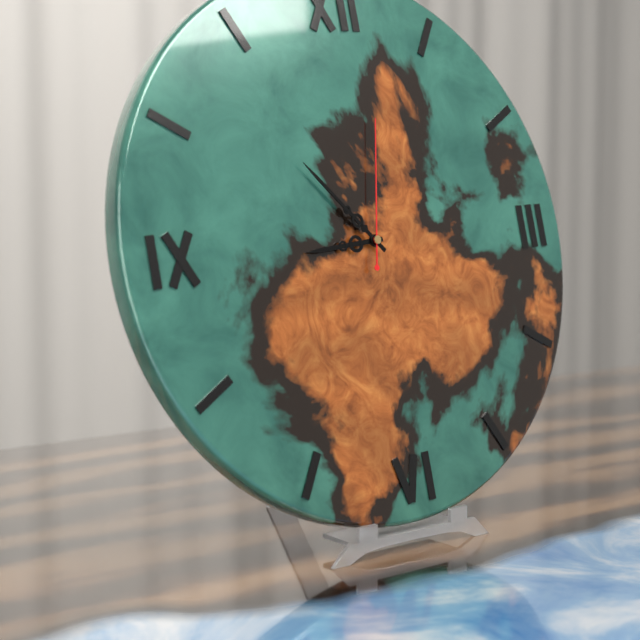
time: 8:53:02
